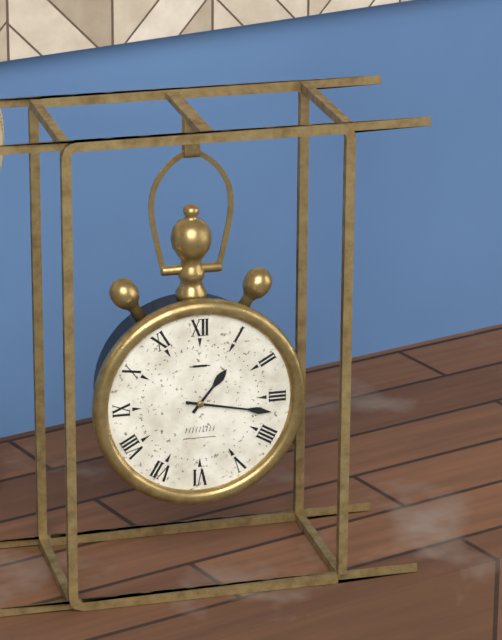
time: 1:17
